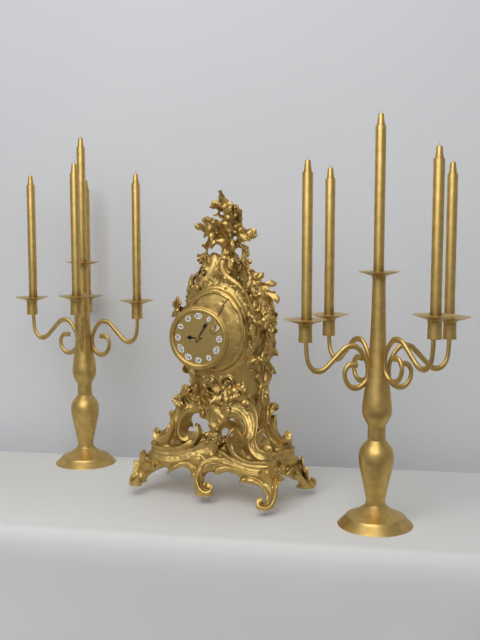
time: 9:05
